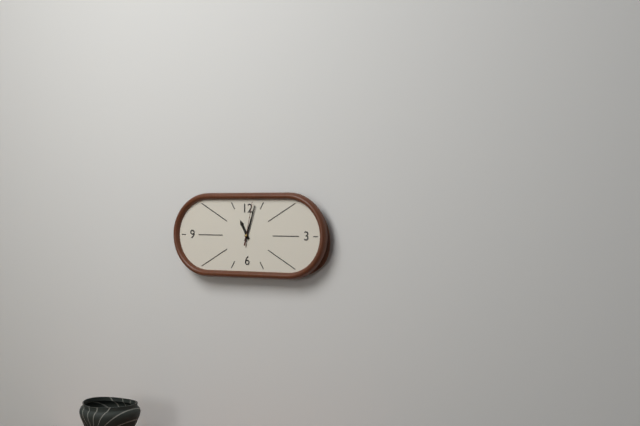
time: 11:03
